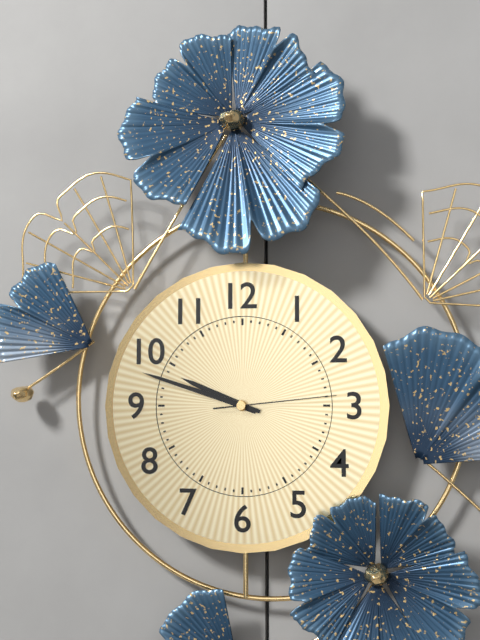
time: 9:48:14
